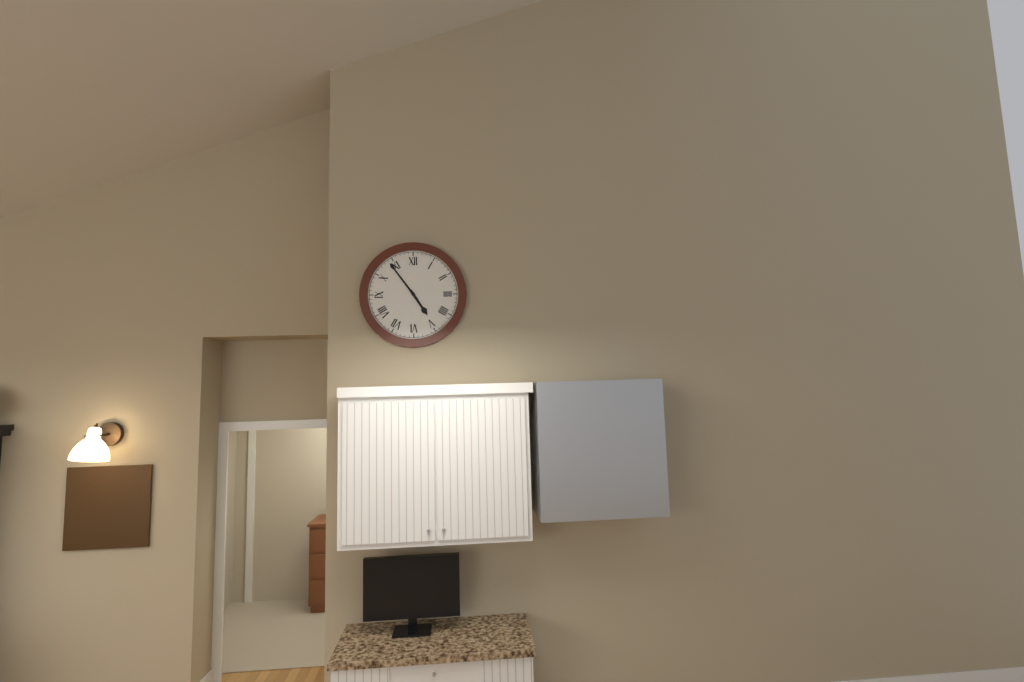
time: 4:54
